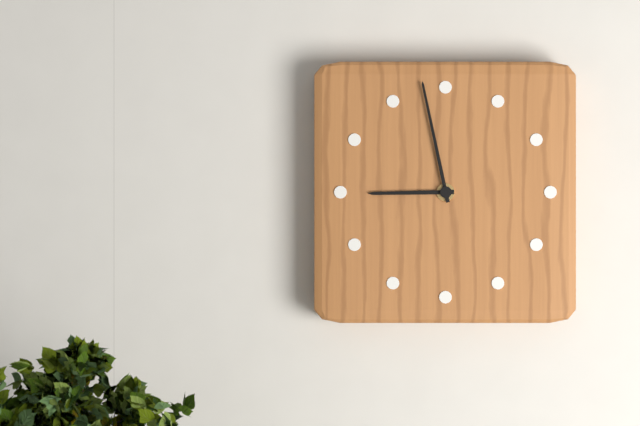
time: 8:58
